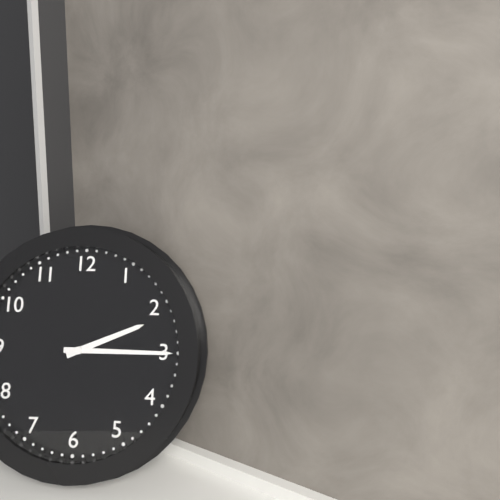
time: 2:15
